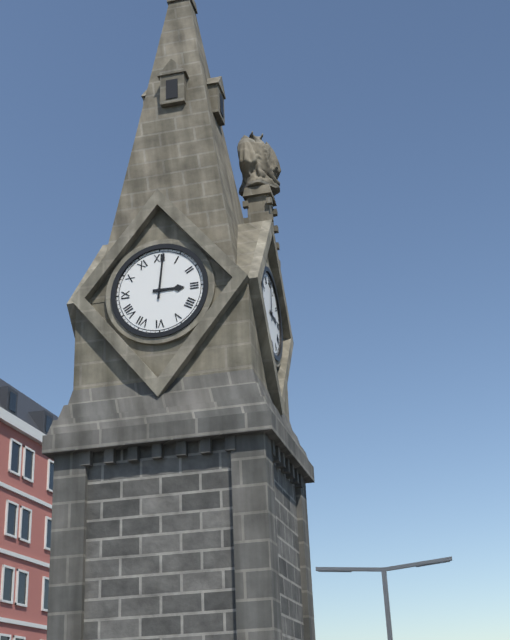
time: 3:01
